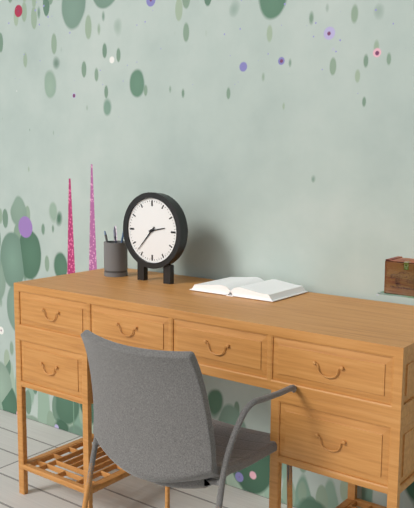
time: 2:37
